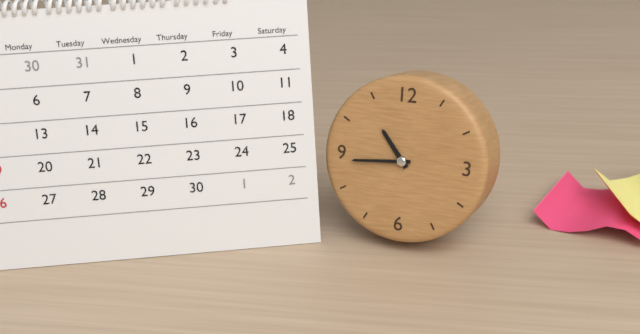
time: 10:44
